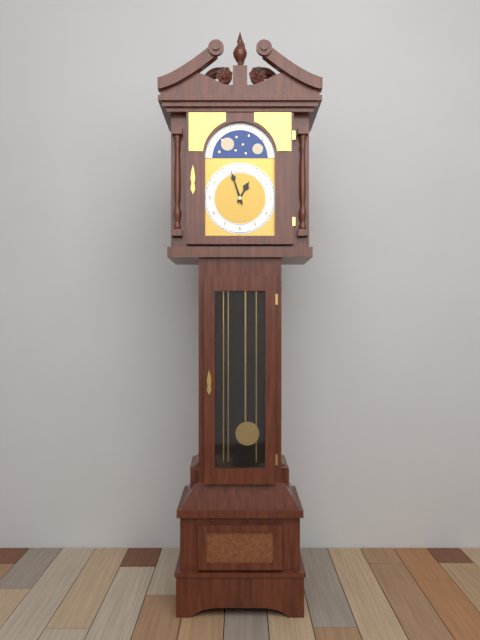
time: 12:57
